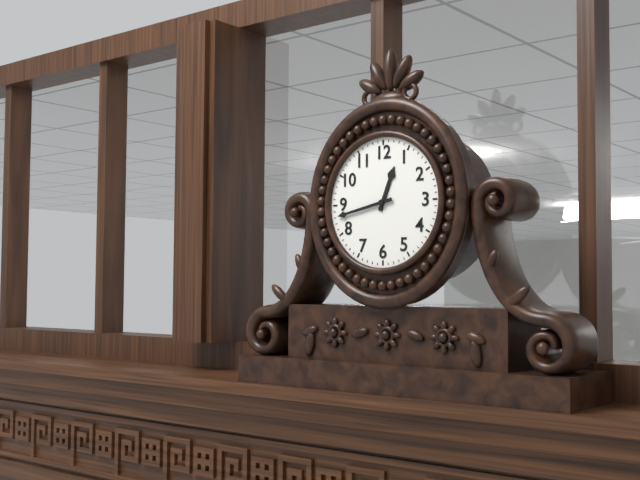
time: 12:43
